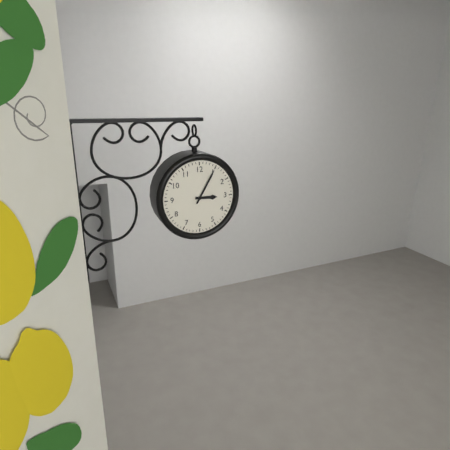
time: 3:05
